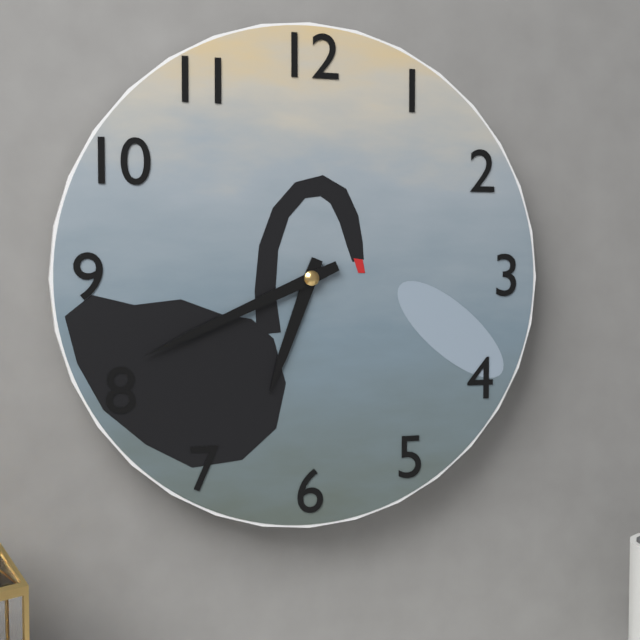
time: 6:41
